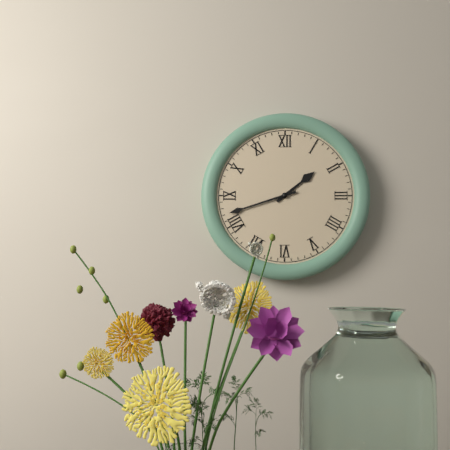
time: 1:42
